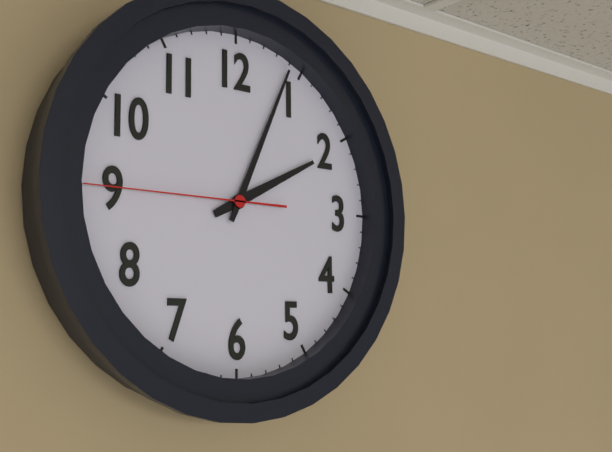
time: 2:04:45
